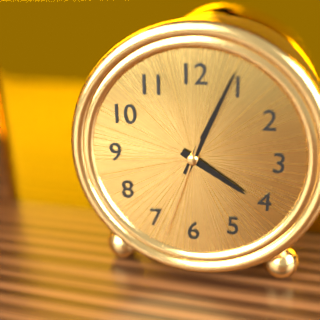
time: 4:04:33
